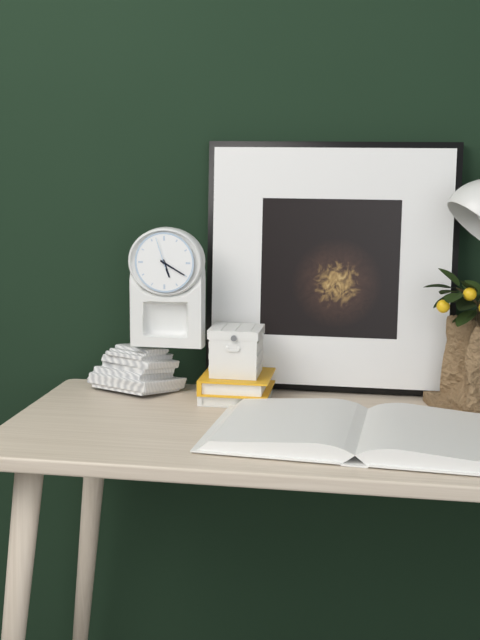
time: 5:20
